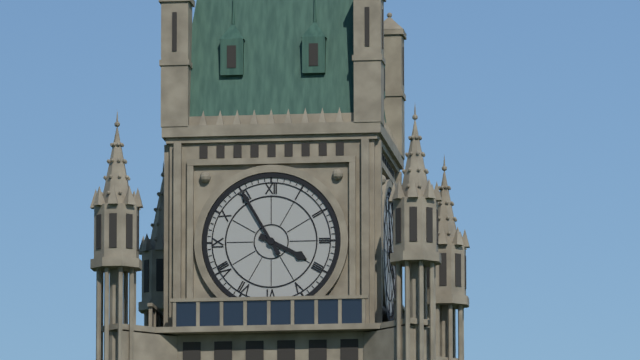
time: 3:55
